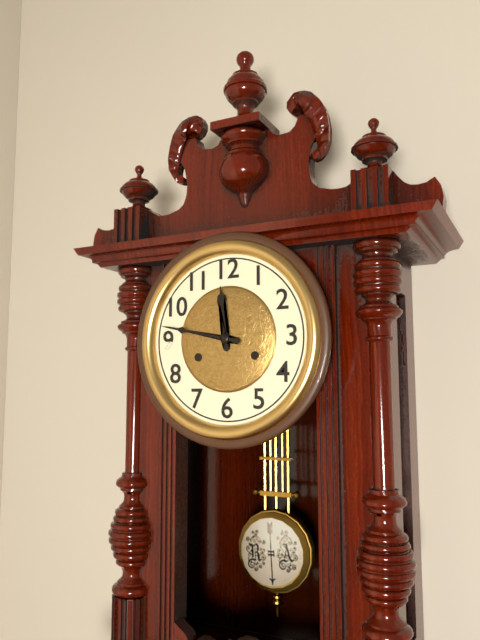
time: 11:47
